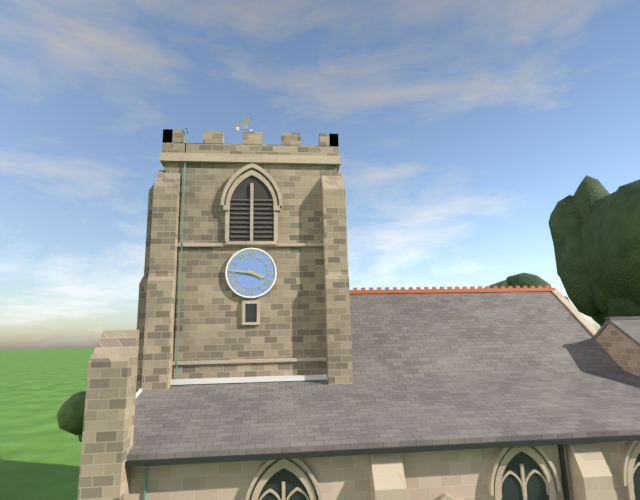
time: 3:46
